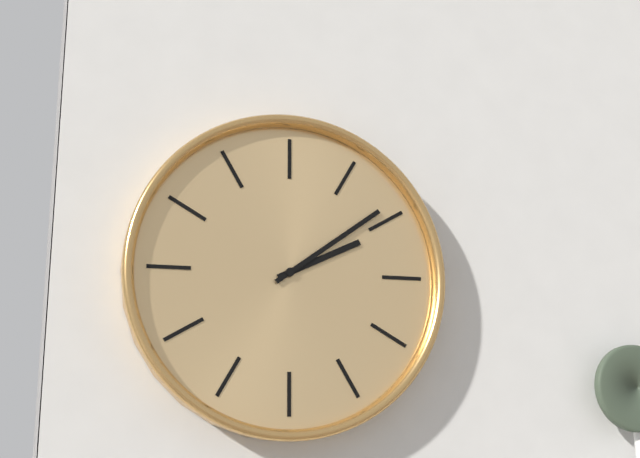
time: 2:09
